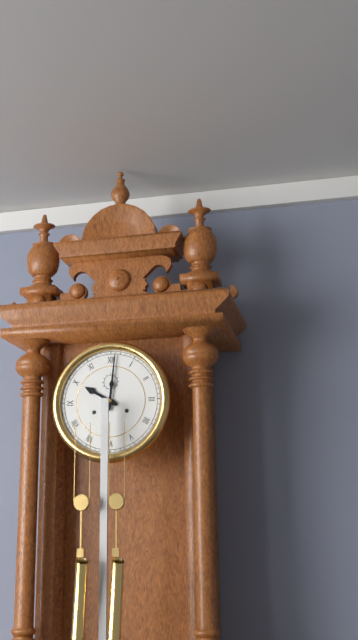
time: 10:01
